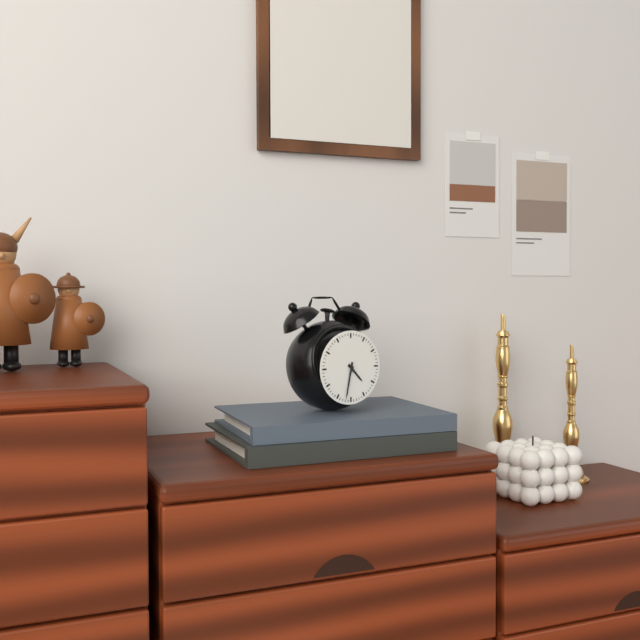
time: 4:32
